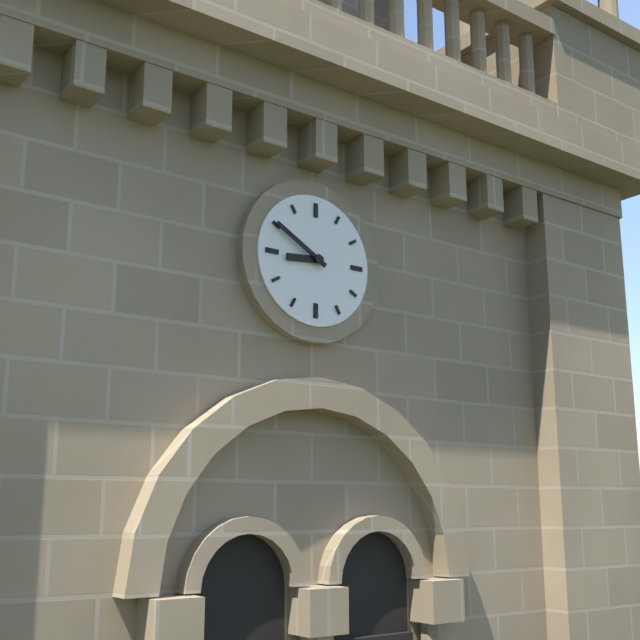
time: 8:50
